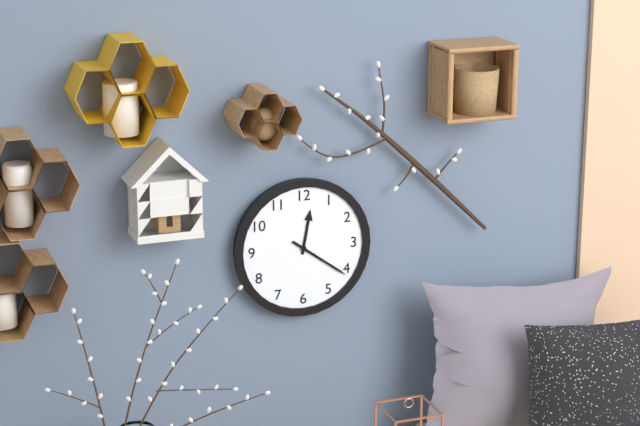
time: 12:21
